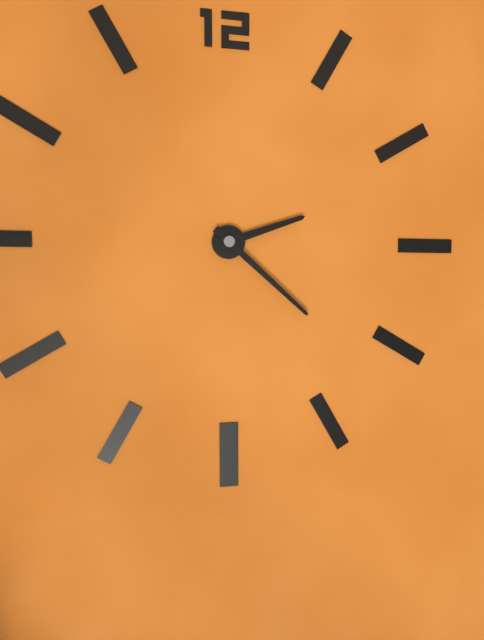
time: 2:22
